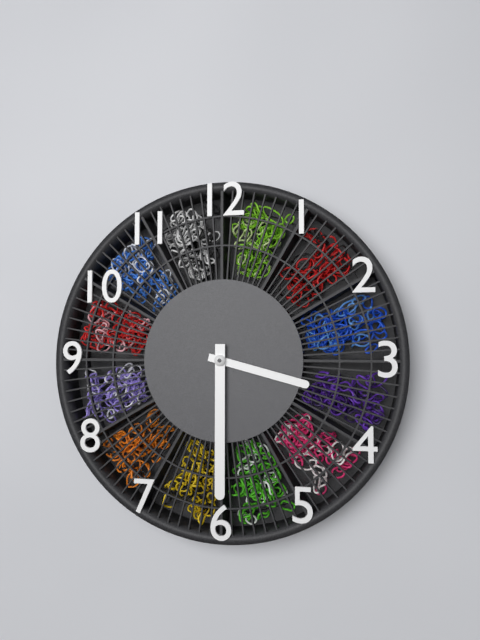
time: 3:30
